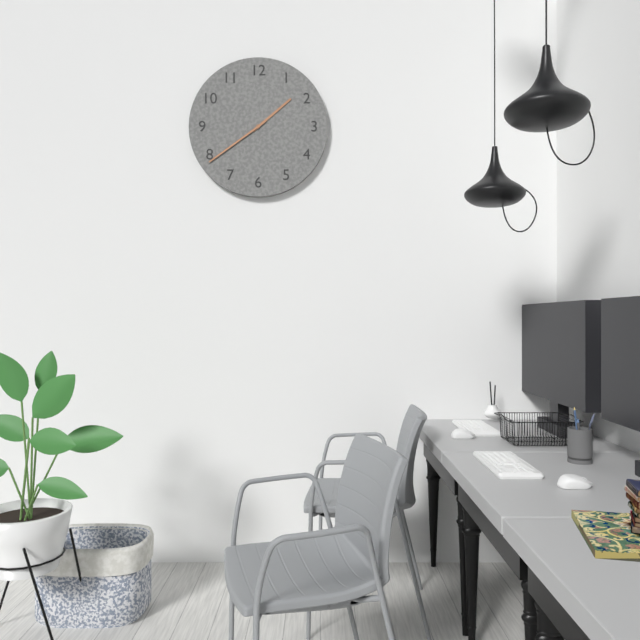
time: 1:39
